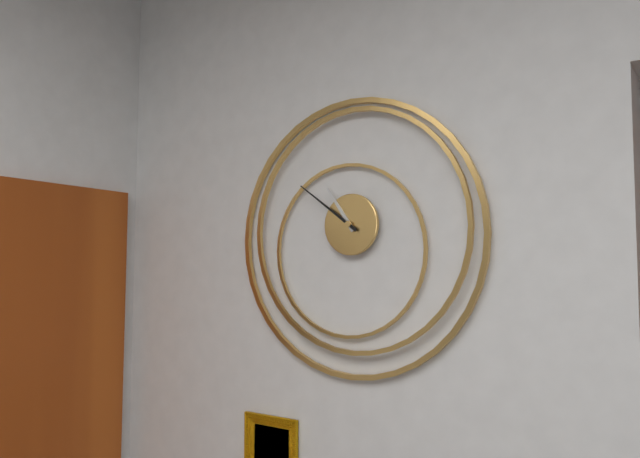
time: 10:51
